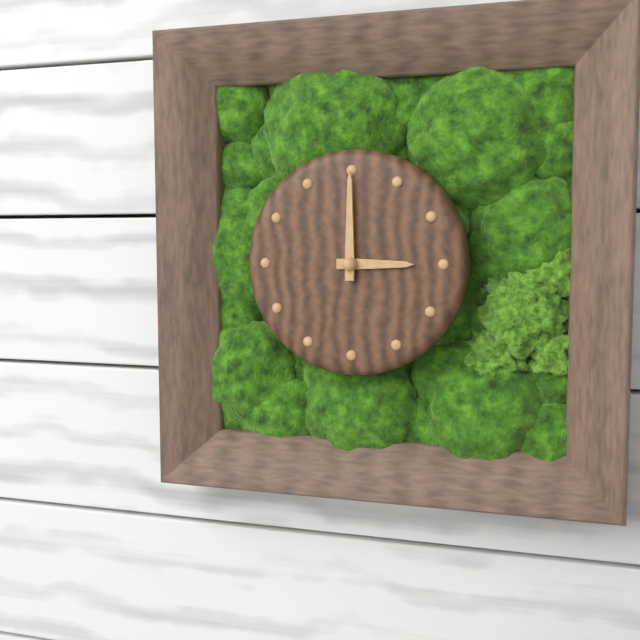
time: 3:00
